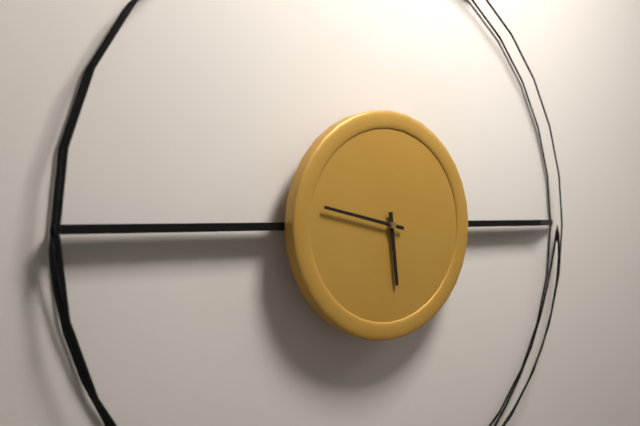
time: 5:47
